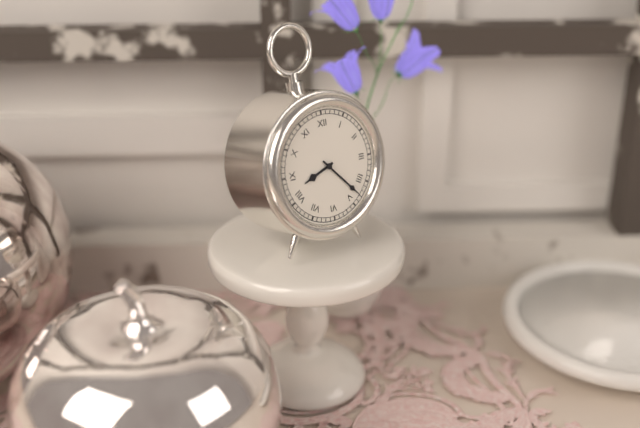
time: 8:23
